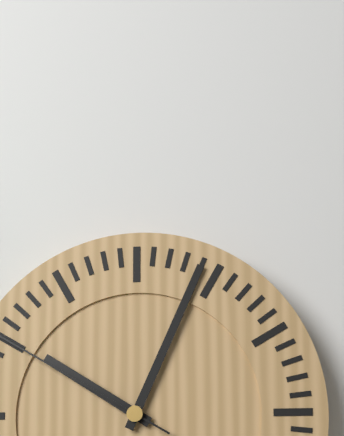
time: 10:04
